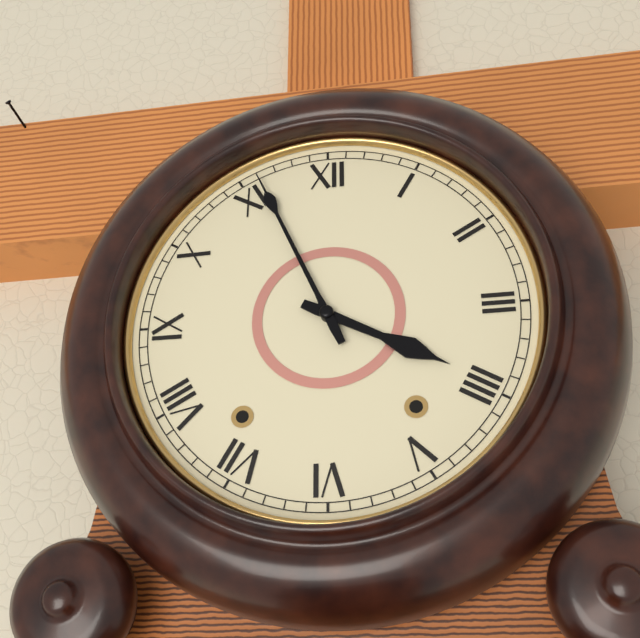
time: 3:56
